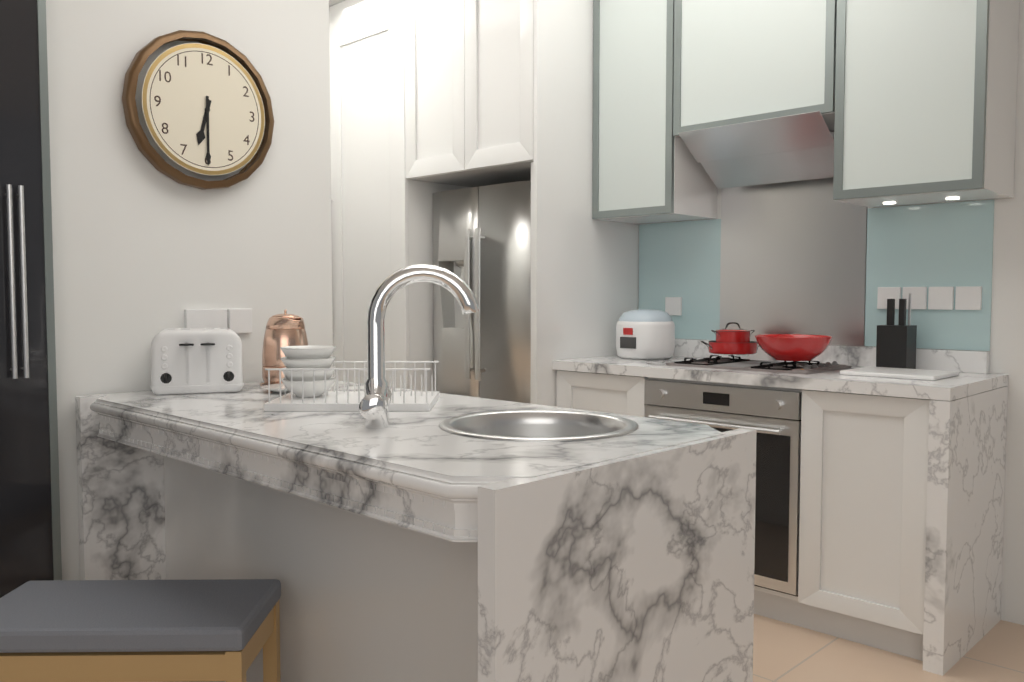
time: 6:30
